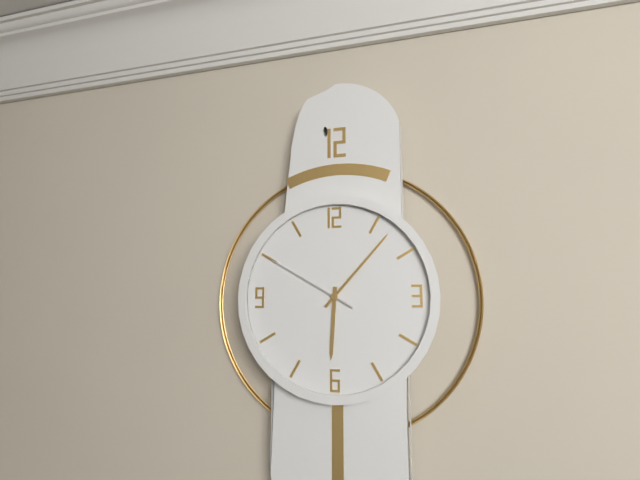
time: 6:07:50
